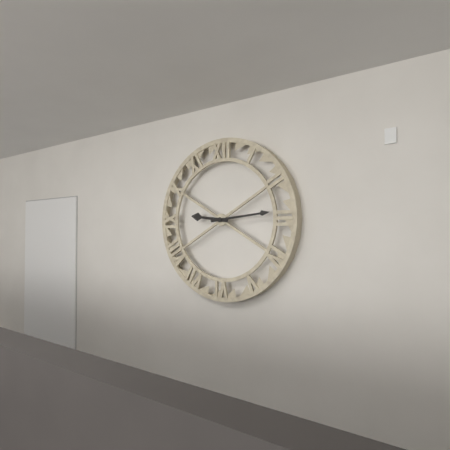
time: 9:14
